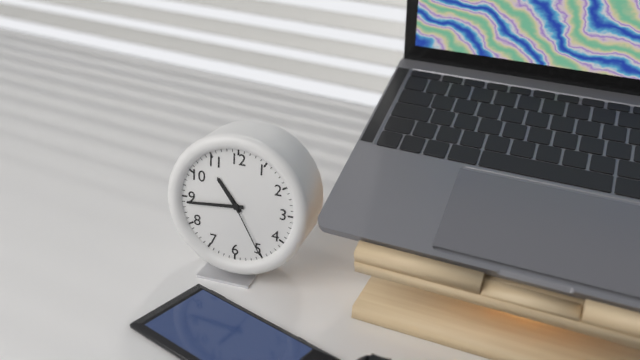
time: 10:44:25
